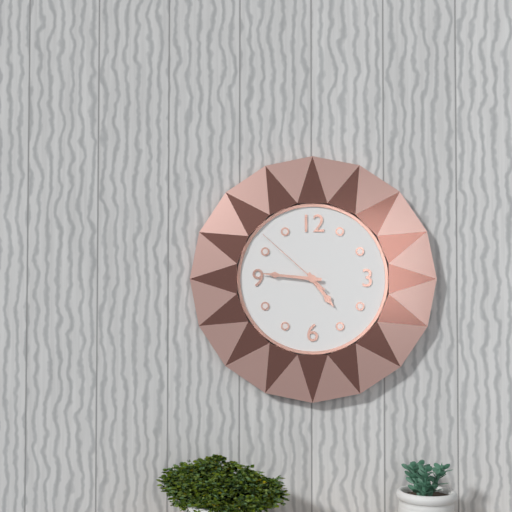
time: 4:46:52
